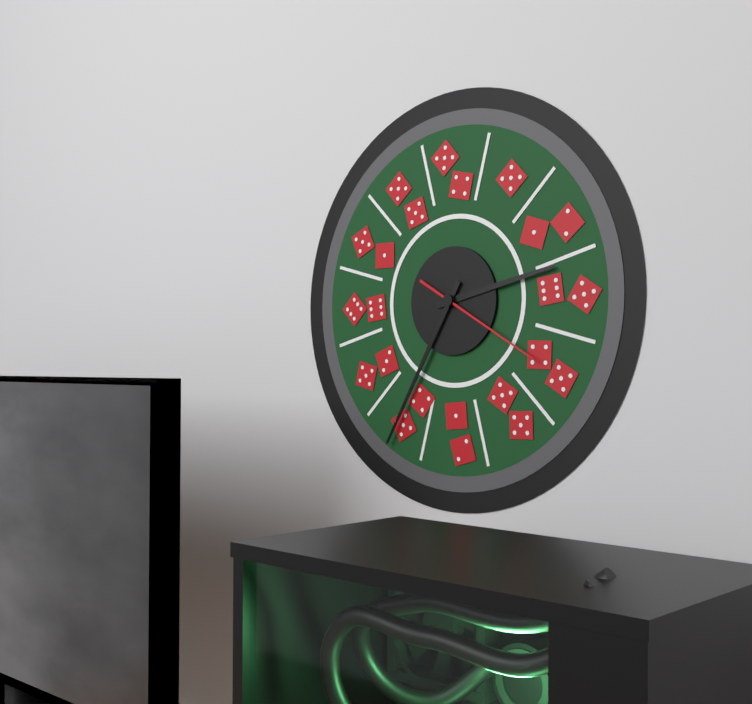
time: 2:35:20
